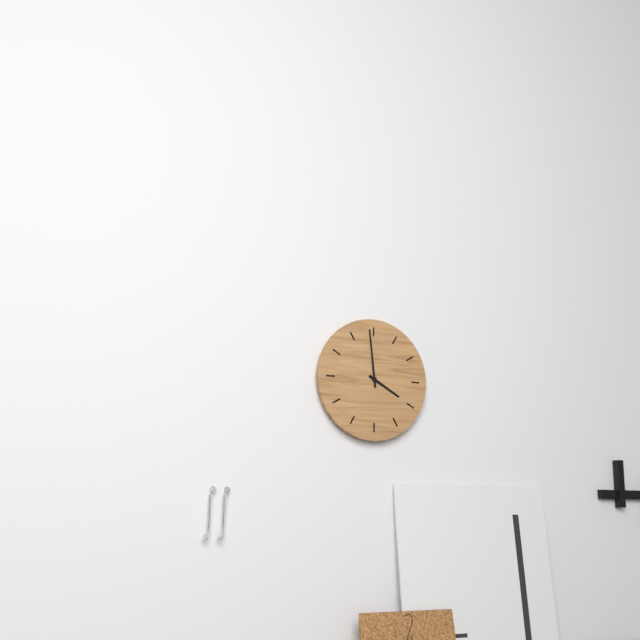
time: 3:59
